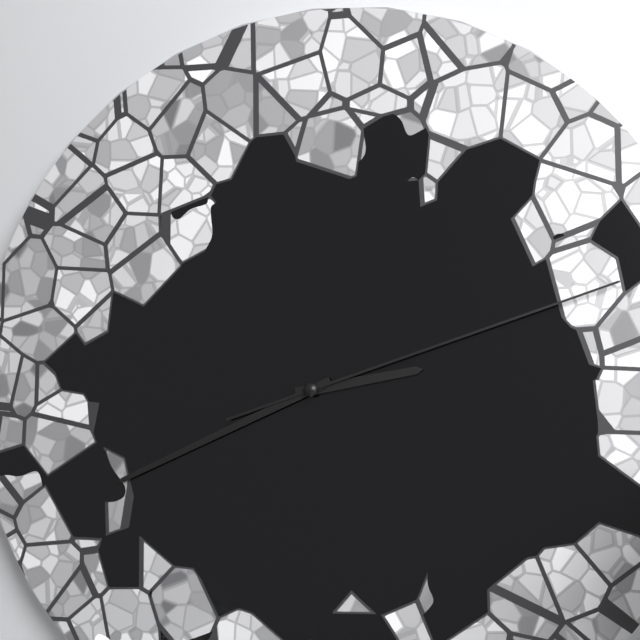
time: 2:41:12
